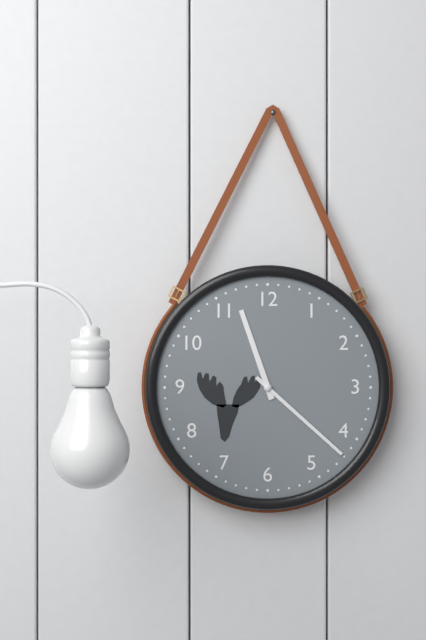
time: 11:22
